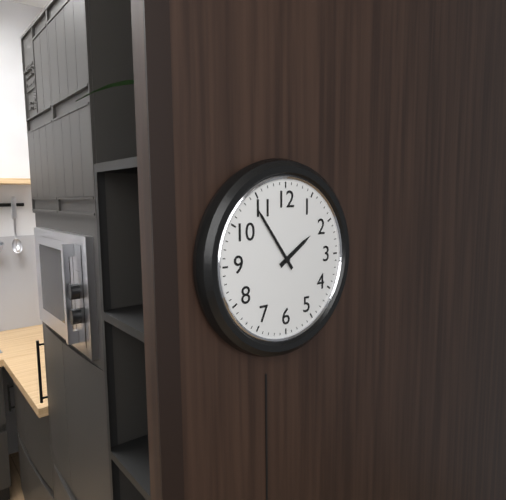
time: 1:54
